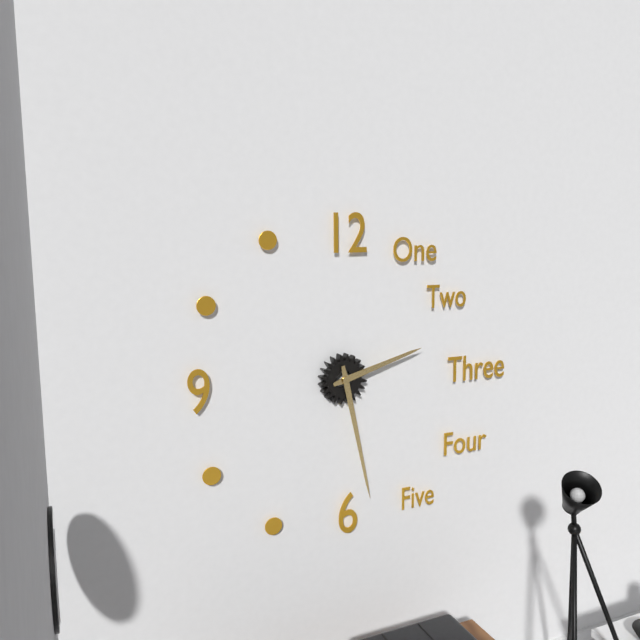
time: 2:28
